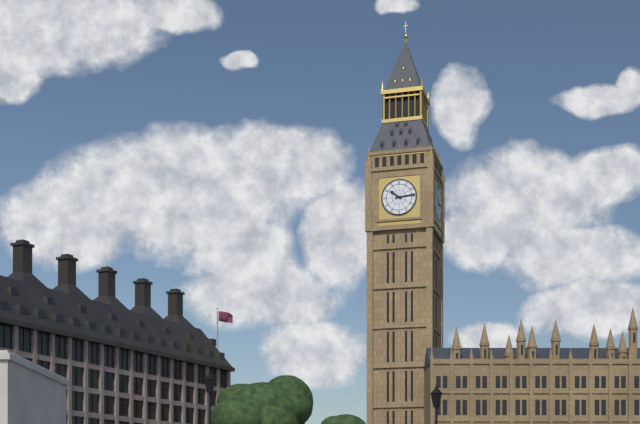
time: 10:14
